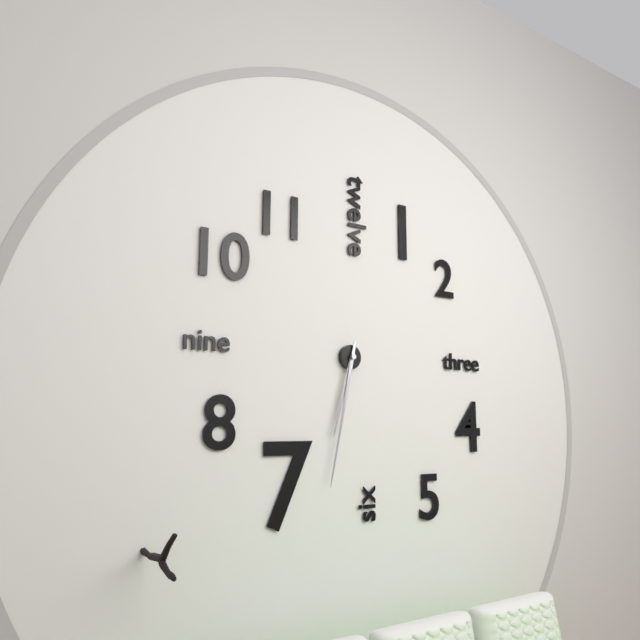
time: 6:32
